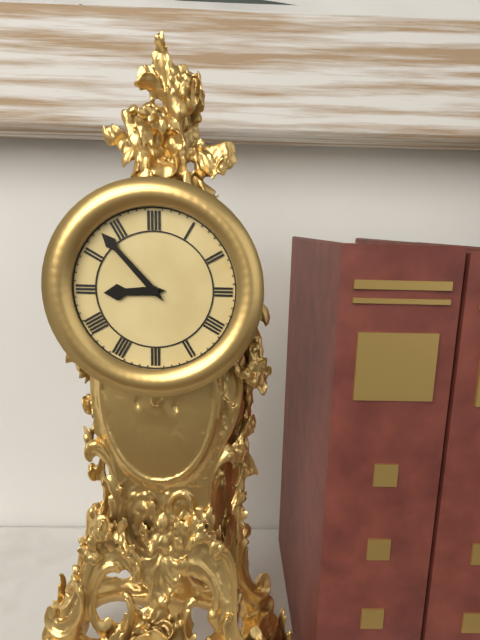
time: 8:53
